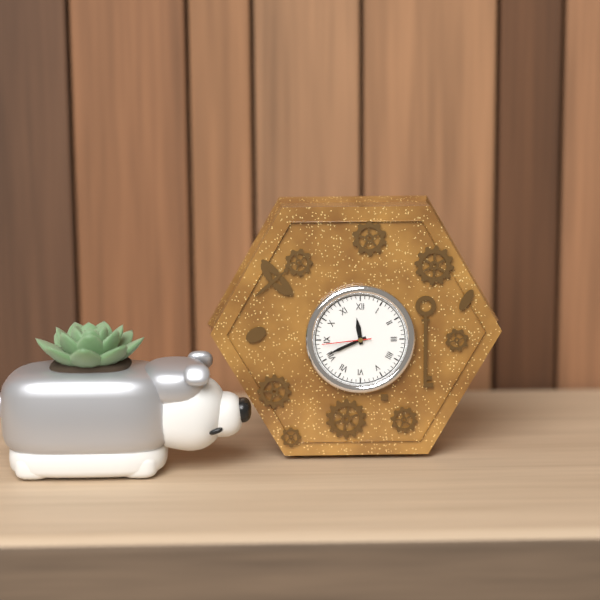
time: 11:41
